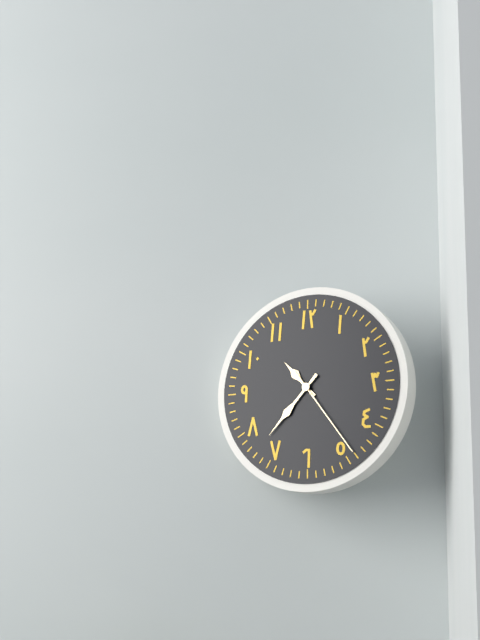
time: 10:37:24
